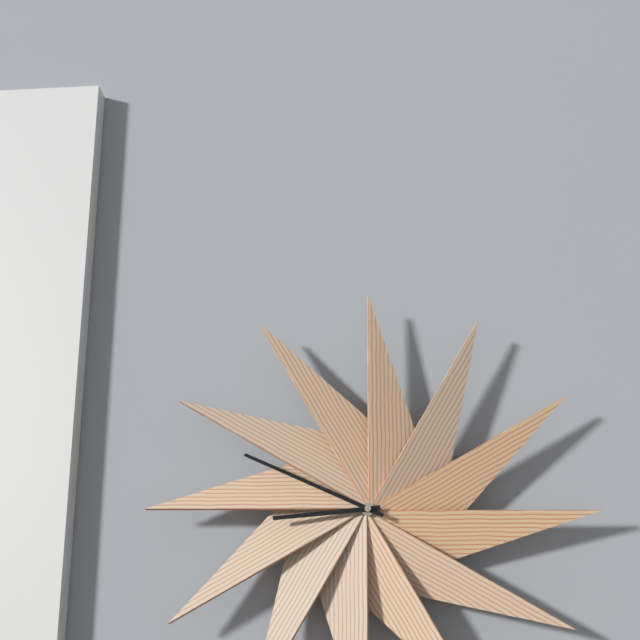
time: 8:49
